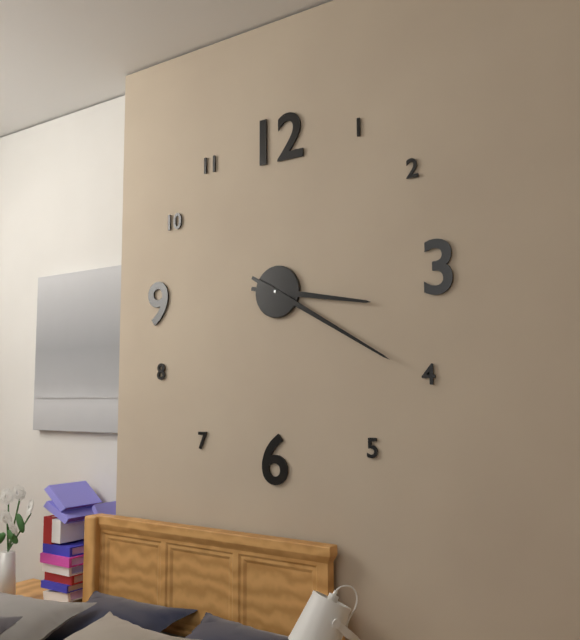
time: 3:20
